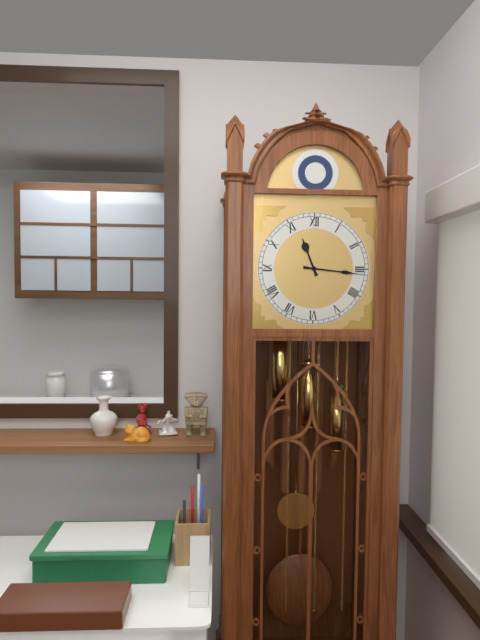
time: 11:16
